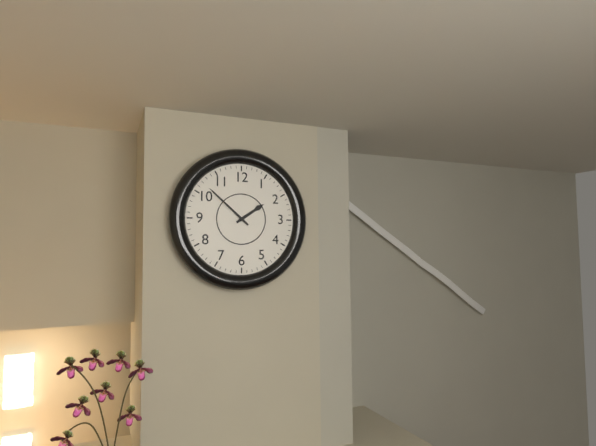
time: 1:52
